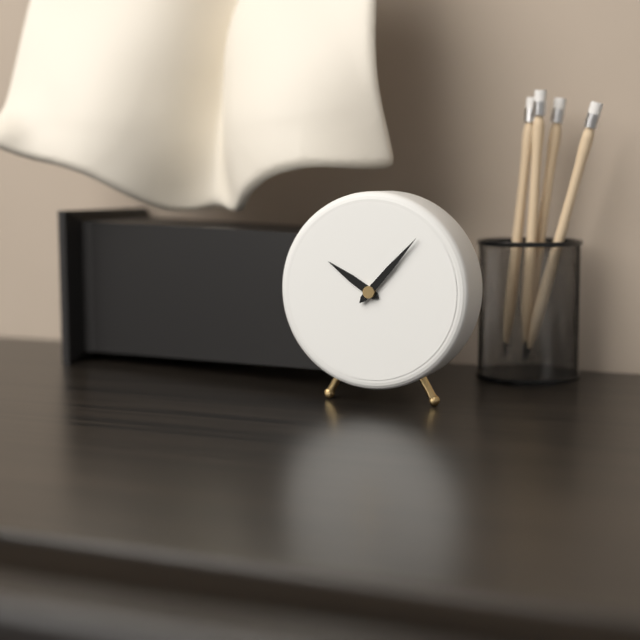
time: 10:07
